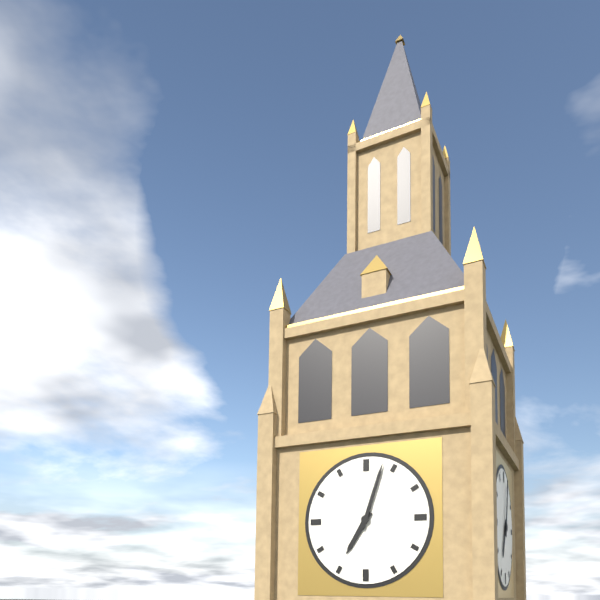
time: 7:03
